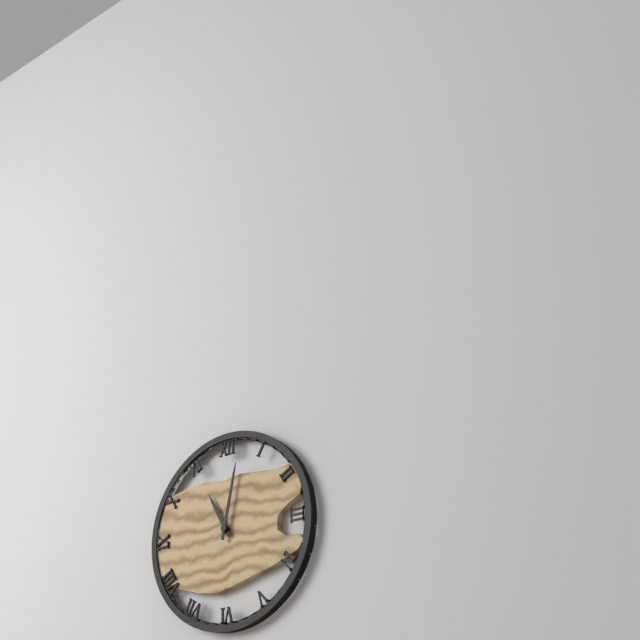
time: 11:02
